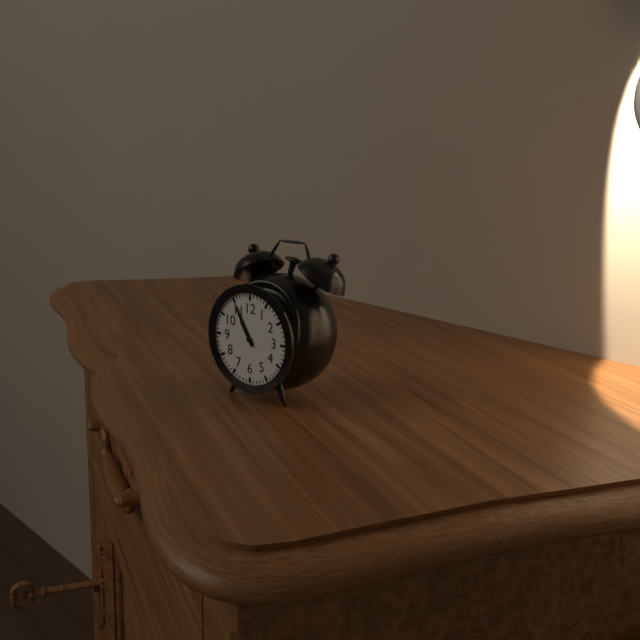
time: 10:55
